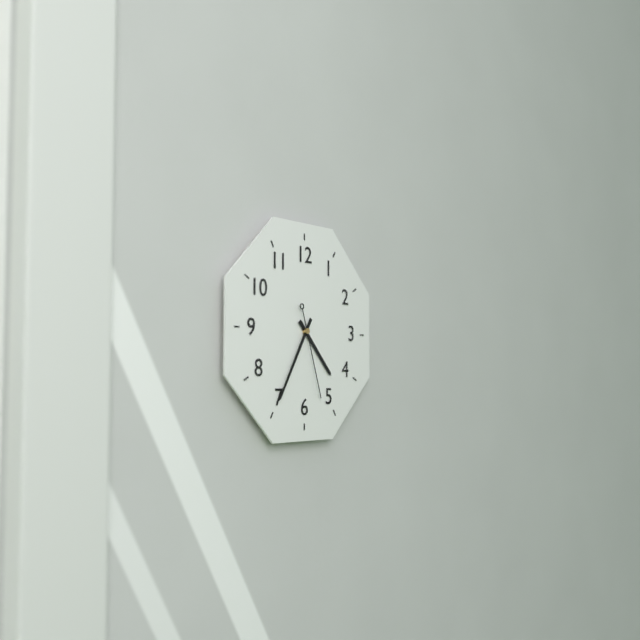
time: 4:35:27
